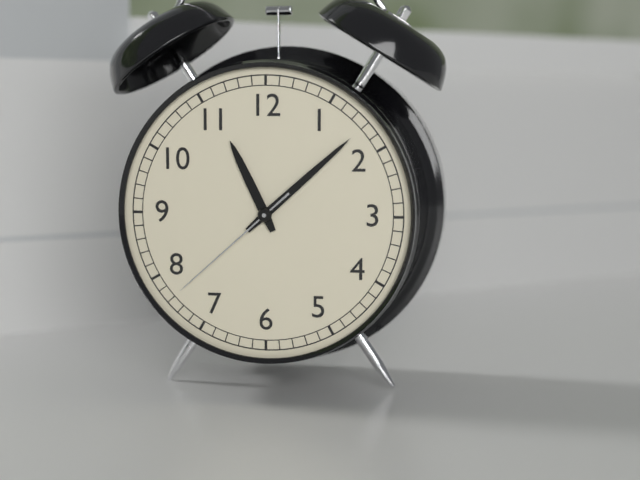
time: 11:08:38
